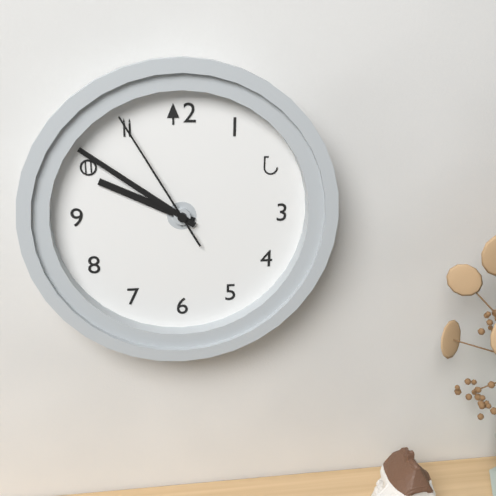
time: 9:51:55
